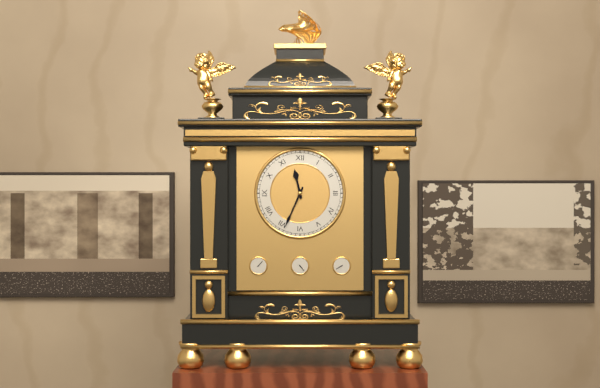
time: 11:34
